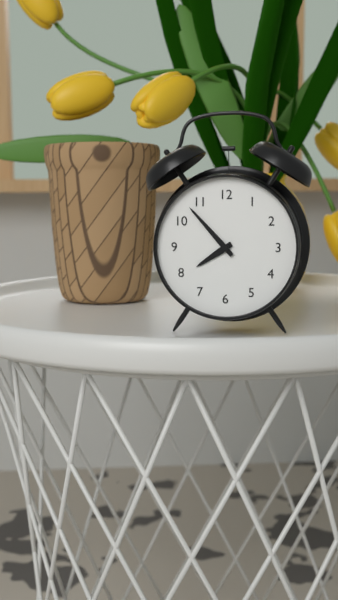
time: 7:53
